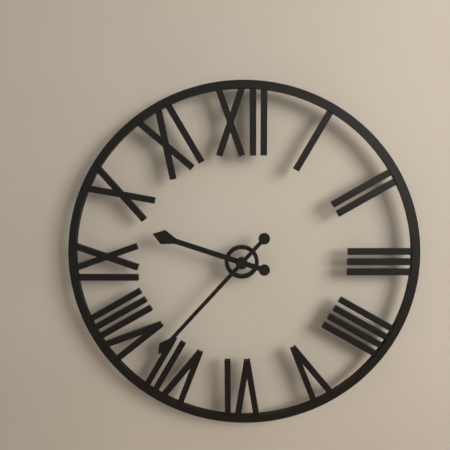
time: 9:37
